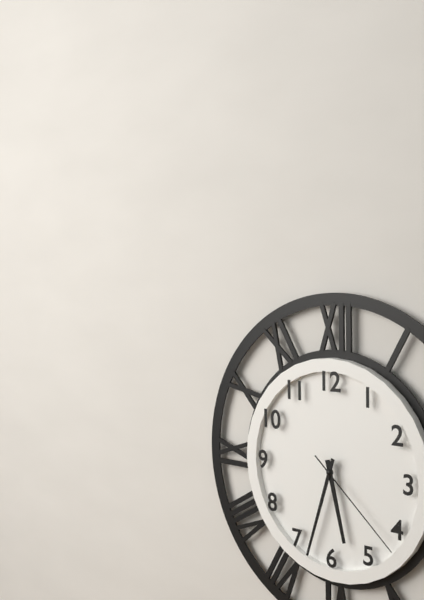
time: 5:33:22
